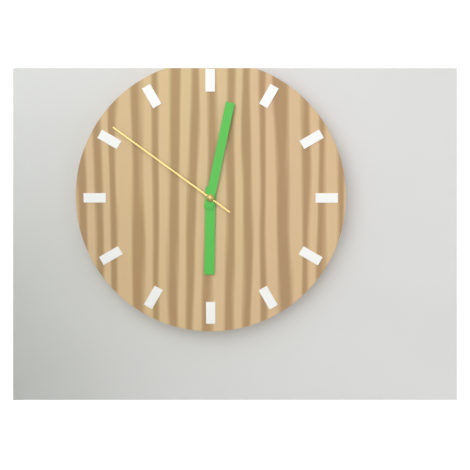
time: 6:02:51
